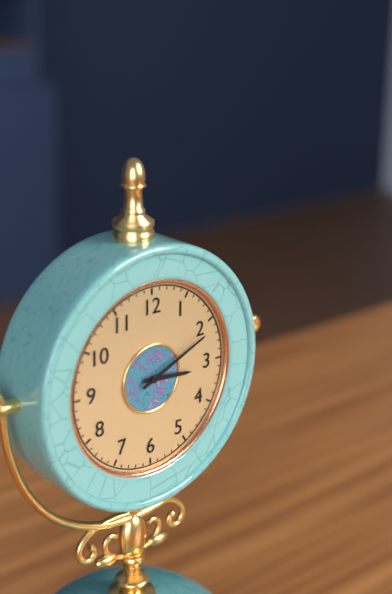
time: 3:11
